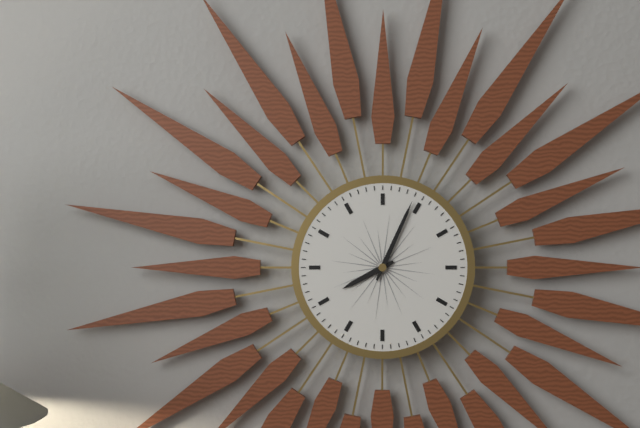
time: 8:04
